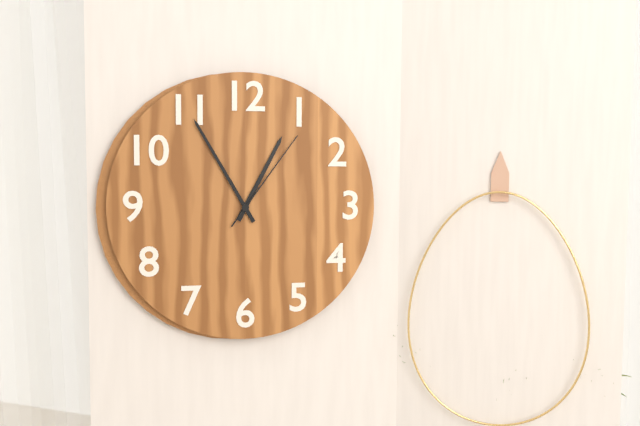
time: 12:55:06
